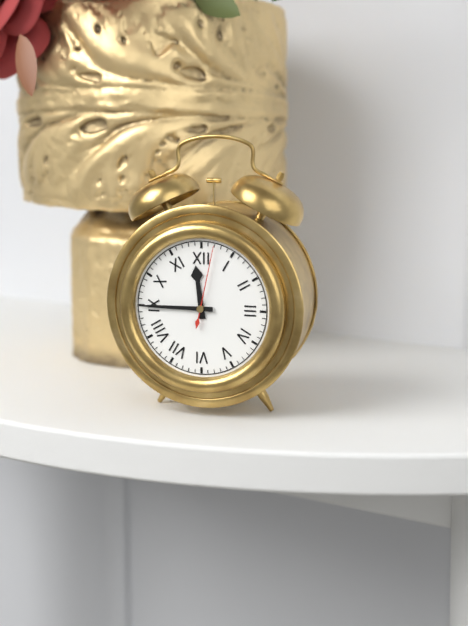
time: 11:45:02
